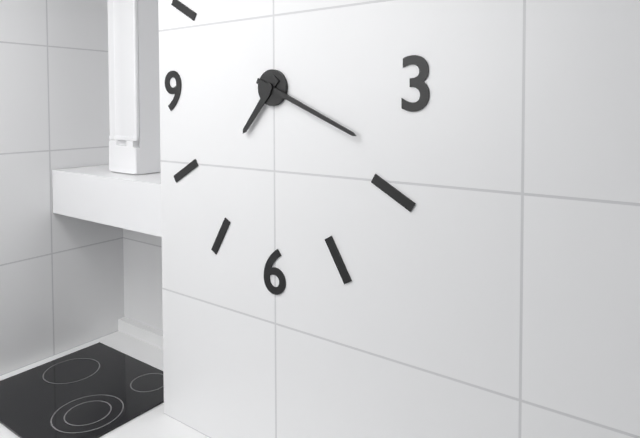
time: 7:19
